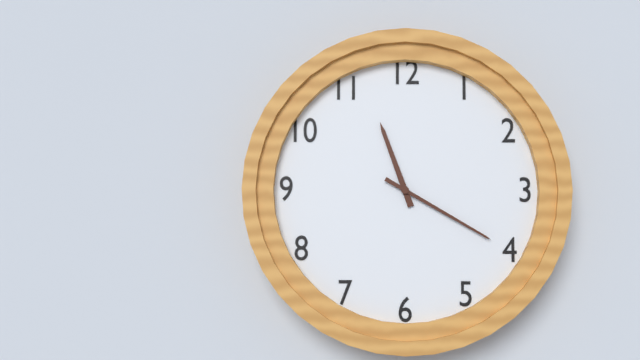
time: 11:20
